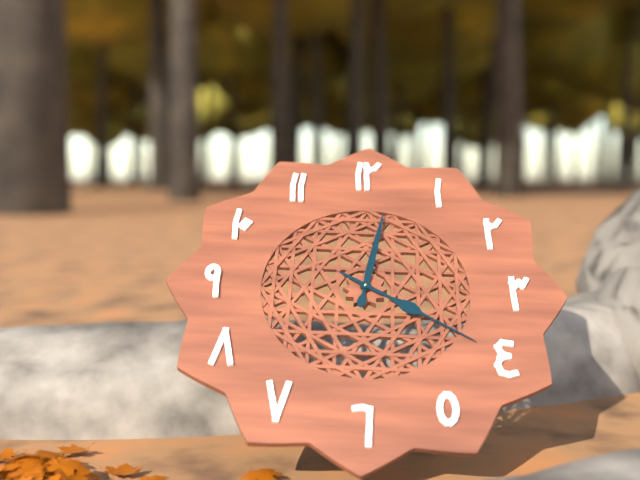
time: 12:20
